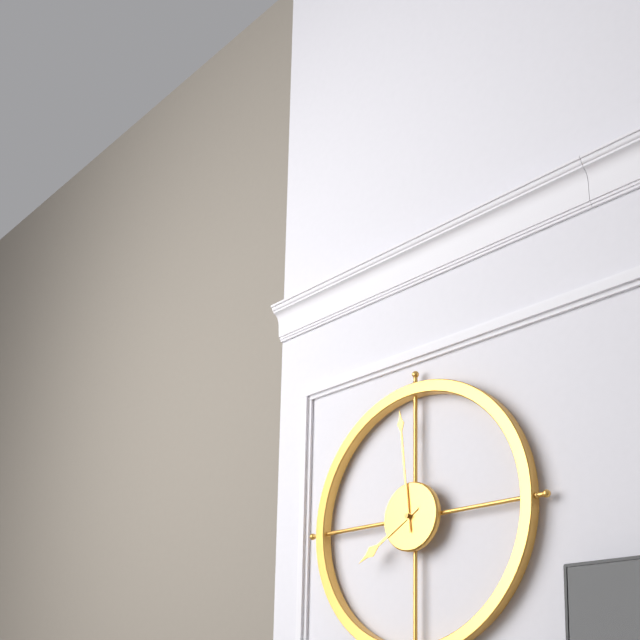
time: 7:59
